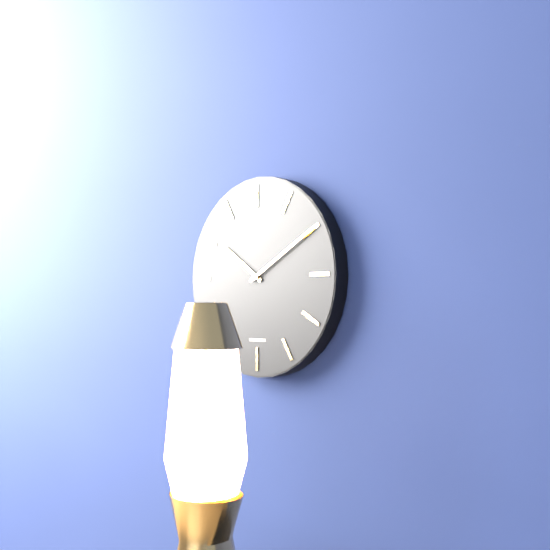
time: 10:10
